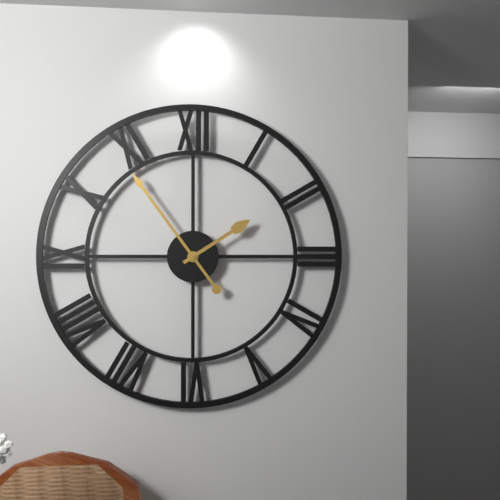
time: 1:54
